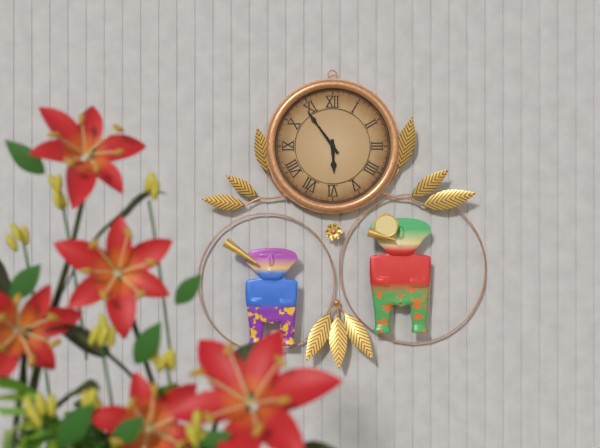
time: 5:54
